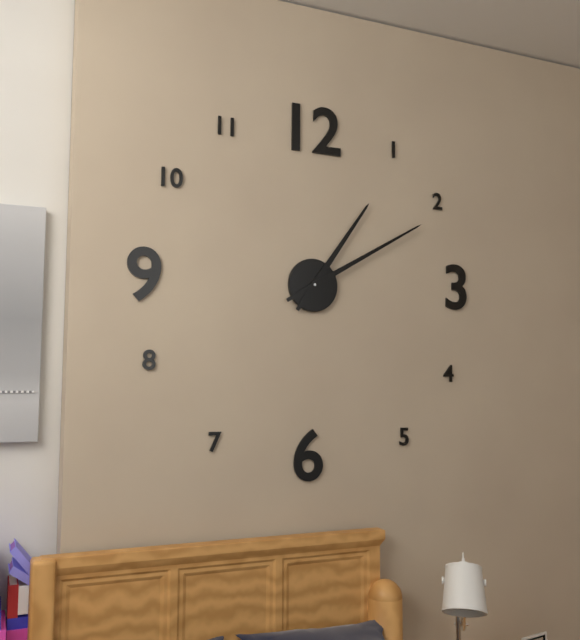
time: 1:10
